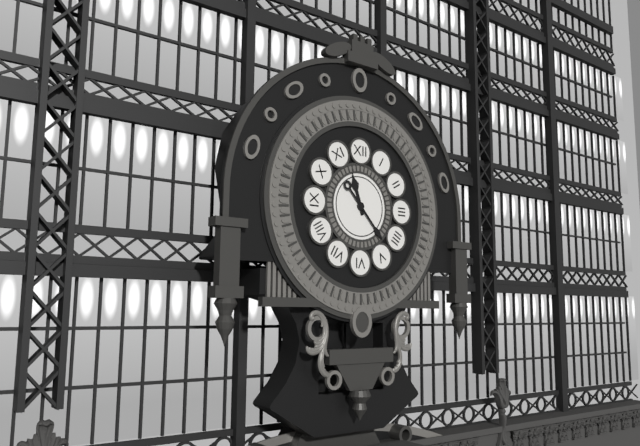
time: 11:23
